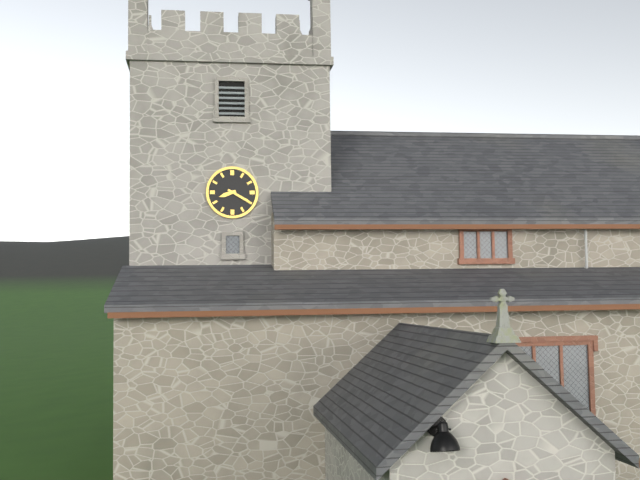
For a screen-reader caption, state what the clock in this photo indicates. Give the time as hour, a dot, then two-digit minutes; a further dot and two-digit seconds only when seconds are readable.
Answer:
8.20
